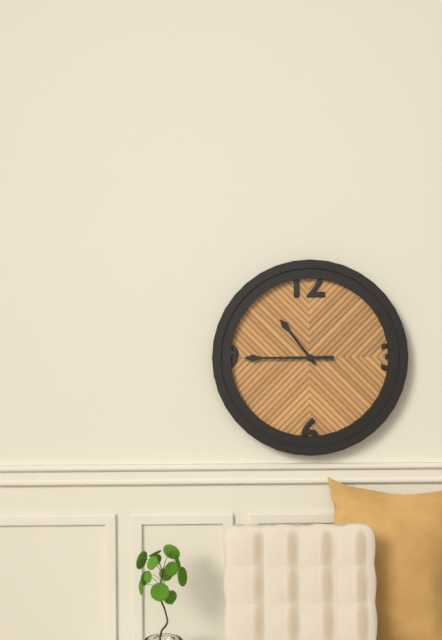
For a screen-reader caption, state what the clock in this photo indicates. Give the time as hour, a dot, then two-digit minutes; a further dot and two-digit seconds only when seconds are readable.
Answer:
10.45
